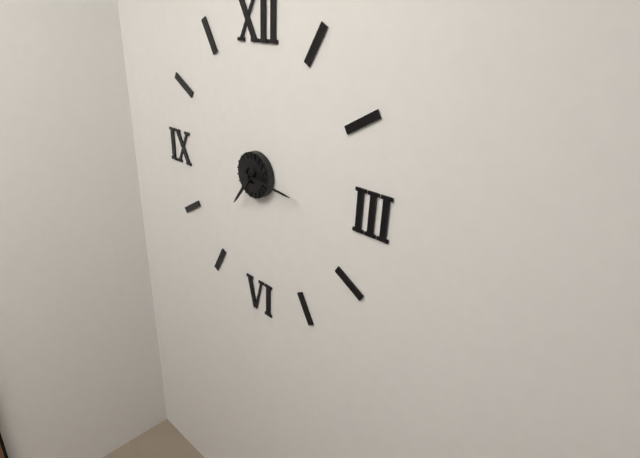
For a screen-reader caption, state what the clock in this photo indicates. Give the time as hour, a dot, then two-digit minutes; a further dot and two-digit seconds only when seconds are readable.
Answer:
7.16
